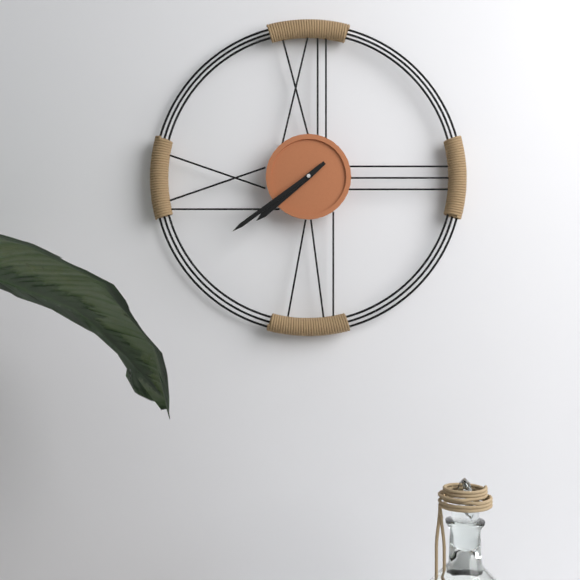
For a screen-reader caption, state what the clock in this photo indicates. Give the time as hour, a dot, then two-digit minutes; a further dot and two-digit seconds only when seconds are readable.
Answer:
7.39
